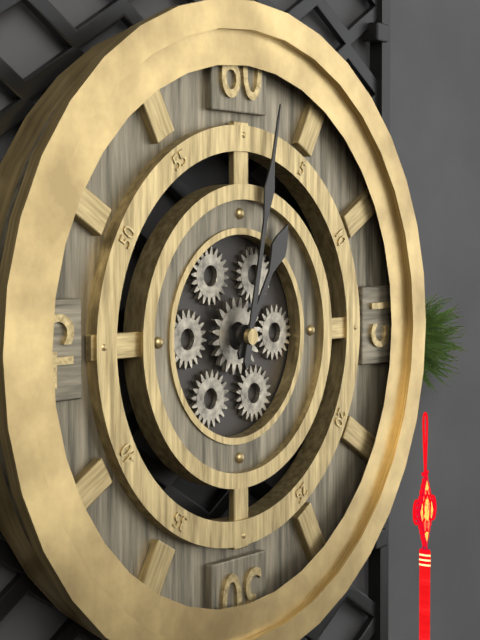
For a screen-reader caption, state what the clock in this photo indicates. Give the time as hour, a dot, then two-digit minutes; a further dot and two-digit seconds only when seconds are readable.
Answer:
1.02
